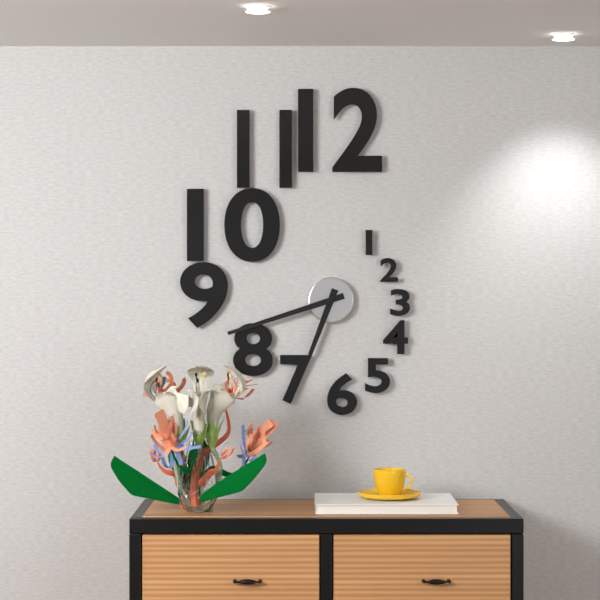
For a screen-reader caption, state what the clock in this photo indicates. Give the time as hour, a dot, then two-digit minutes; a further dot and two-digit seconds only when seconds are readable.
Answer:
6.42
